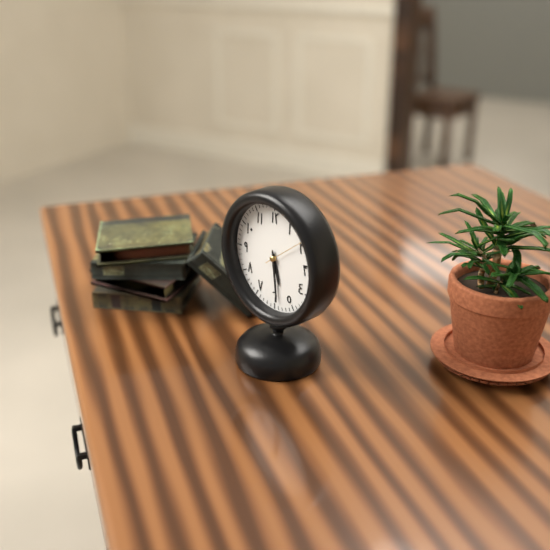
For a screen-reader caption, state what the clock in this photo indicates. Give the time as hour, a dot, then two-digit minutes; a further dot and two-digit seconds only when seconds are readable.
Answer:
5.29
